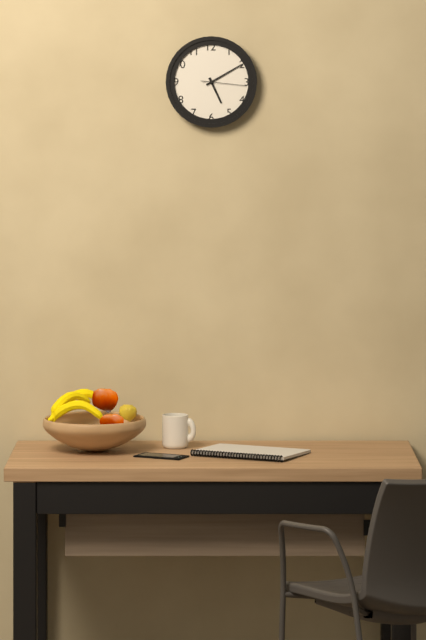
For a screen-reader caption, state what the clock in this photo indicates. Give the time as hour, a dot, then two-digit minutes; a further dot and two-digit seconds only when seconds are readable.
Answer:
5.10
